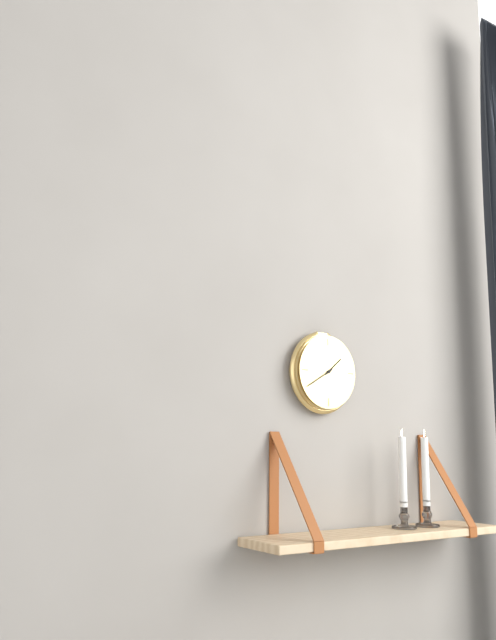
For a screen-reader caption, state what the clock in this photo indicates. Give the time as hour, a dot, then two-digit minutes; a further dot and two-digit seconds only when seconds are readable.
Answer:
1.40
